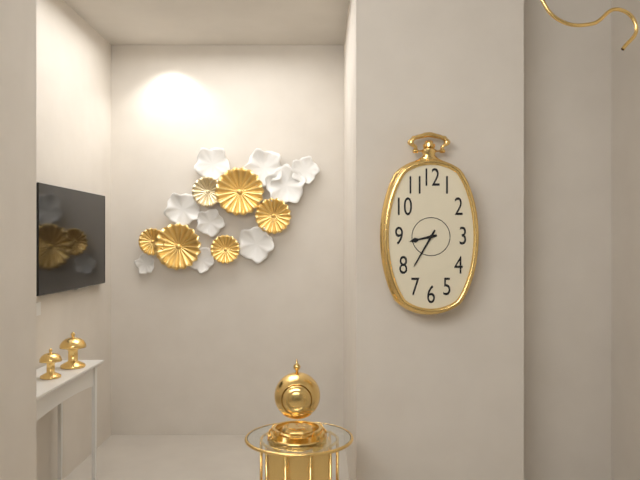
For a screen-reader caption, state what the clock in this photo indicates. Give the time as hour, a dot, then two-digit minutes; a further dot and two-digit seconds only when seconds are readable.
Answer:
8.35
